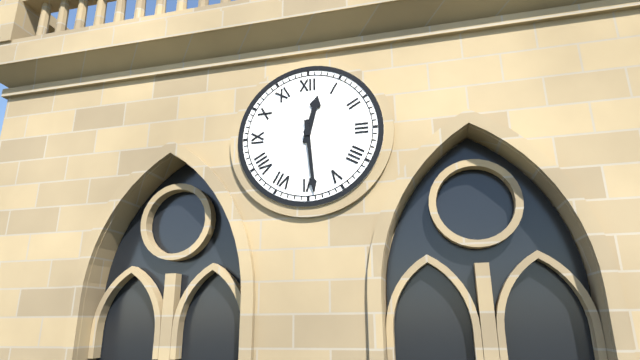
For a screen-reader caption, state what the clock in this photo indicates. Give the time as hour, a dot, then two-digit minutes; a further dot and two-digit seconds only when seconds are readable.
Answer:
12.29
